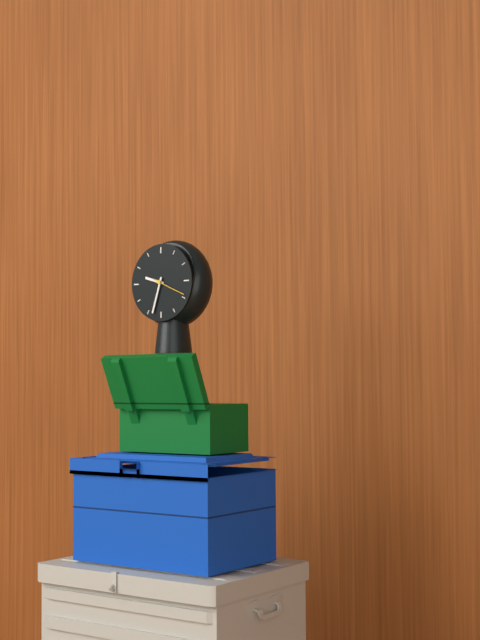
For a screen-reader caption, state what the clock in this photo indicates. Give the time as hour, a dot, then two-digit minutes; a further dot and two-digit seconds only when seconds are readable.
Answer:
9.33
